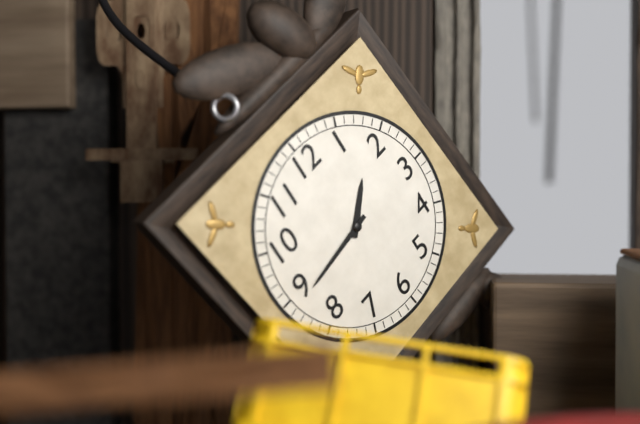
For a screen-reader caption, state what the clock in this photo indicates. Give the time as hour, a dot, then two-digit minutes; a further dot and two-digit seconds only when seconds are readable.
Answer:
1.44
